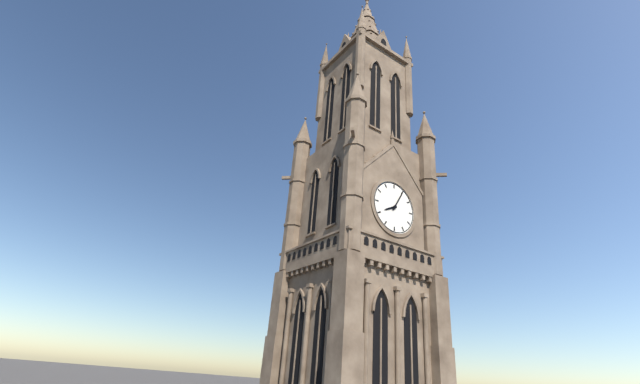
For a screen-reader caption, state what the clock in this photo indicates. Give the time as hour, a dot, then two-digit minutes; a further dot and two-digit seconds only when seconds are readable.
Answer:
8.05
